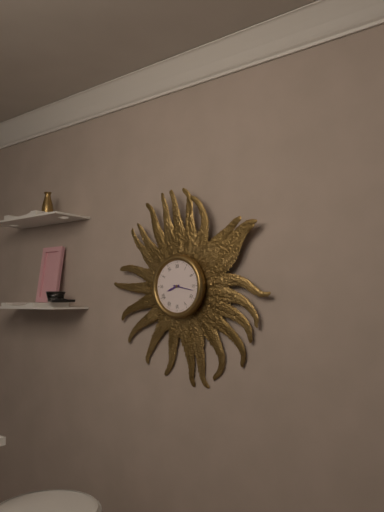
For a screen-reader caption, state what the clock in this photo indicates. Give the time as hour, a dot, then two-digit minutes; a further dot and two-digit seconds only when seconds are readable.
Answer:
8.17
